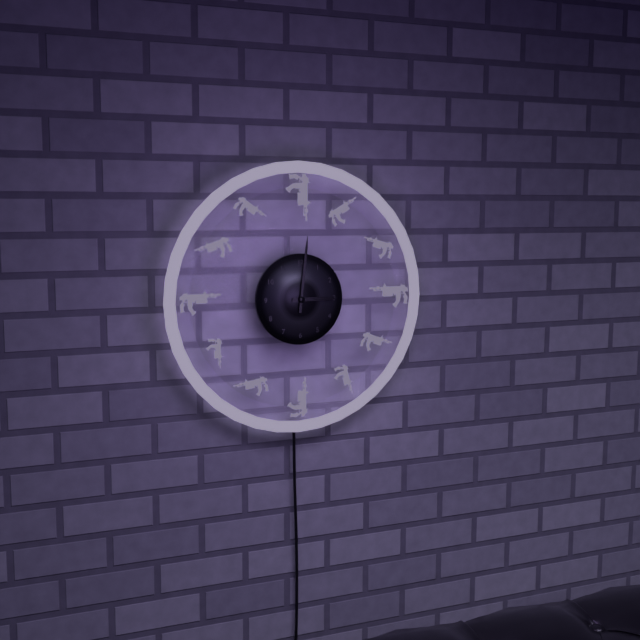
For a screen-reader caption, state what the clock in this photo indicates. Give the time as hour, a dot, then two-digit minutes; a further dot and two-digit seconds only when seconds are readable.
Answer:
3.01
